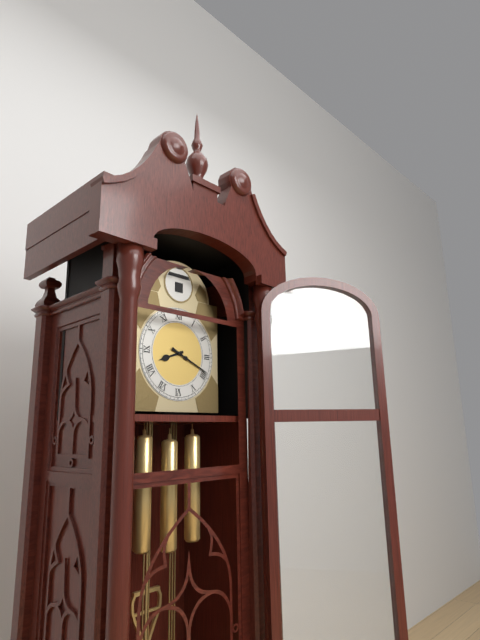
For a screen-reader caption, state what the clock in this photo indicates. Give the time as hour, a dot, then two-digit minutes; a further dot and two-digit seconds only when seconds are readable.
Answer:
8.19
